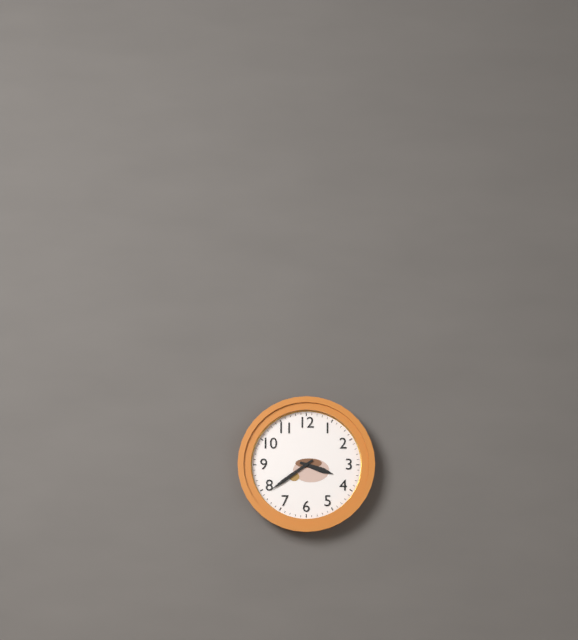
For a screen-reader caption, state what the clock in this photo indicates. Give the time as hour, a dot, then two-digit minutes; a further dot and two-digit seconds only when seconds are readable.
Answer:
3.39
